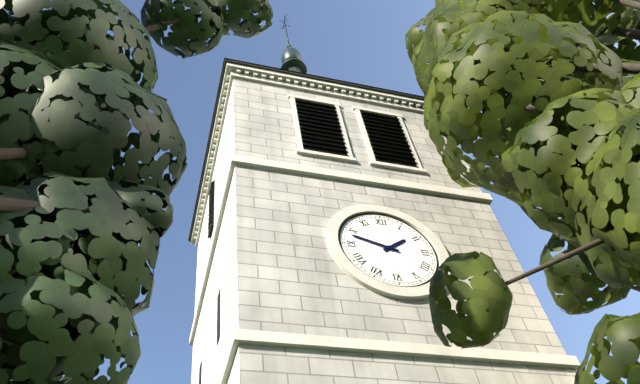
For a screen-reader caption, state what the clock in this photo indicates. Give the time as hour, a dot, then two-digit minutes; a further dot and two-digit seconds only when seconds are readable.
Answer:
1.48
